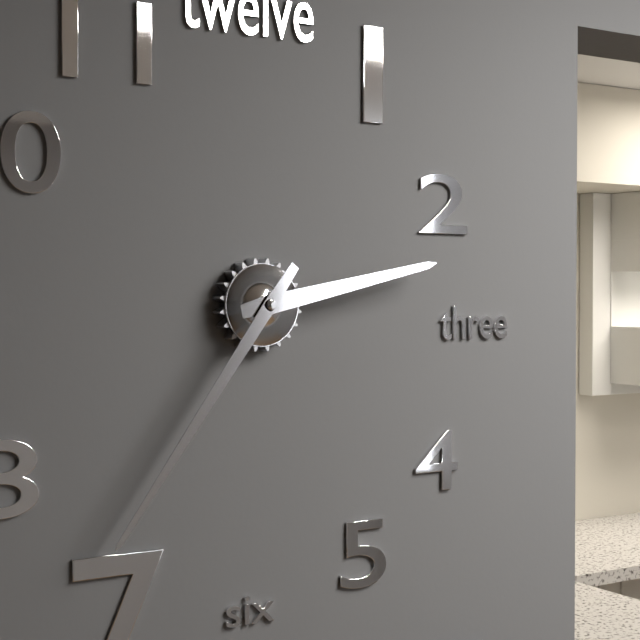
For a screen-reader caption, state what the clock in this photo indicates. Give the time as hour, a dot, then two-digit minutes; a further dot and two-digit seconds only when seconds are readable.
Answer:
2.36
